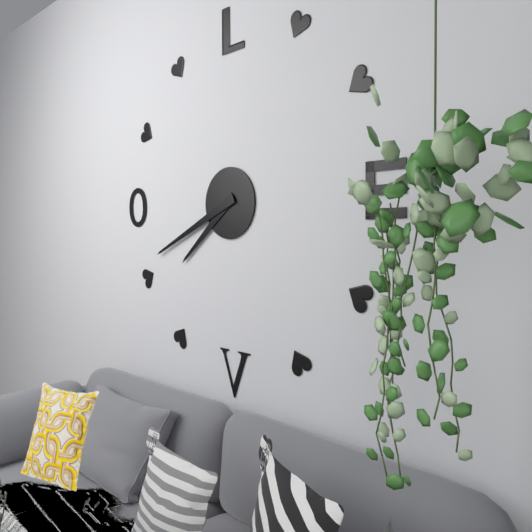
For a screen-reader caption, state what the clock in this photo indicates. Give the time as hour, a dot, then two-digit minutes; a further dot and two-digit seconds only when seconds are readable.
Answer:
7.41
